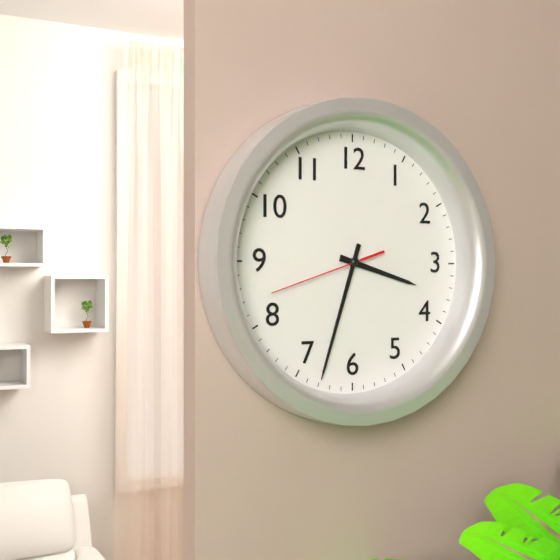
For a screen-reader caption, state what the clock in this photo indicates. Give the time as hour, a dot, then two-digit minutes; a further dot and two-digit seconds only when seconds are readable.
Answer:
3.33.42
